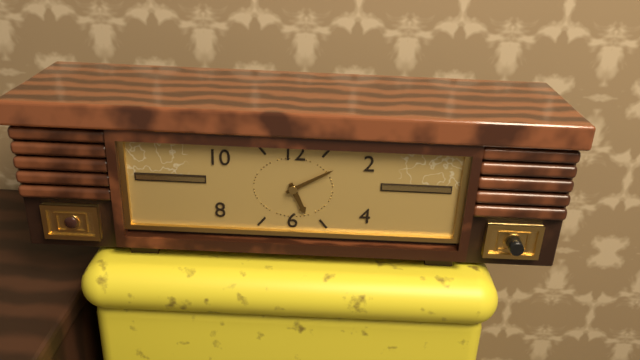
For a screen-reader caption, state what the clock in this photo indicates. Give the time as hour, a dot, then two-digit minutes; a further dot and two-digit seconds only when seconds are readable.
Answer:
5.10
